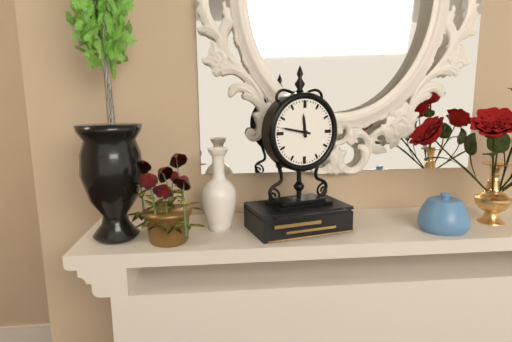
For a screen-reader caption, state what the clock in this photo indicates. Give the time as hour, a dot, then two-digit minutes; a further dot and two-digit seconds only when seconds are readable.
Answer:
11.47
